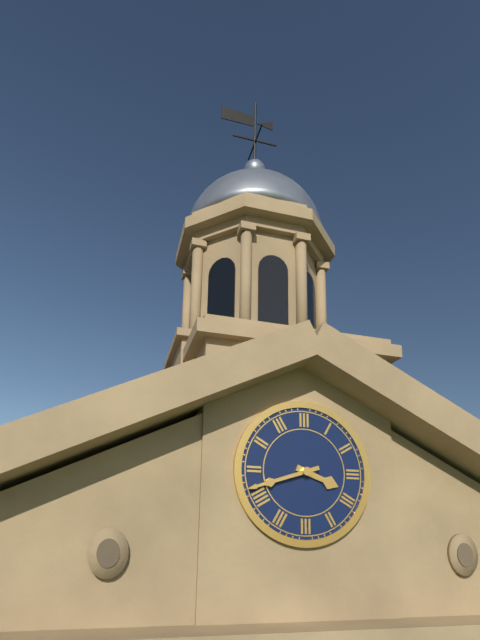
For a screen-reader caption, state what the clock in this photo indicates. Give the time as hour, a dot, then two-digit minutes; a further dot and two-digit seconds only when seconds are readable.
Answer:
3.42
